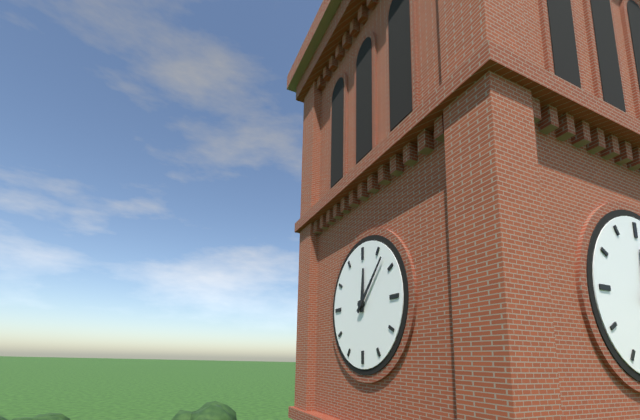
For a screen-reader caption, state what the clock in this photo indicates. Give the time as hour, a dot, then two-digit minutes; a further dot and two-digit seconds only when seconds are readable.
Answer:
12.07
